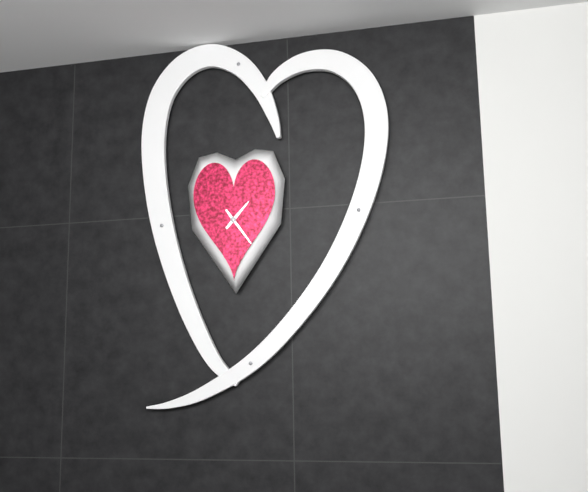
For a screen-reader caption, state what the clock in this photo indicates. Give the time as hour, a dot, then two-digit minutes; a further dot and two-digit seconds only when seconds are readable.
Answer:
1.24
